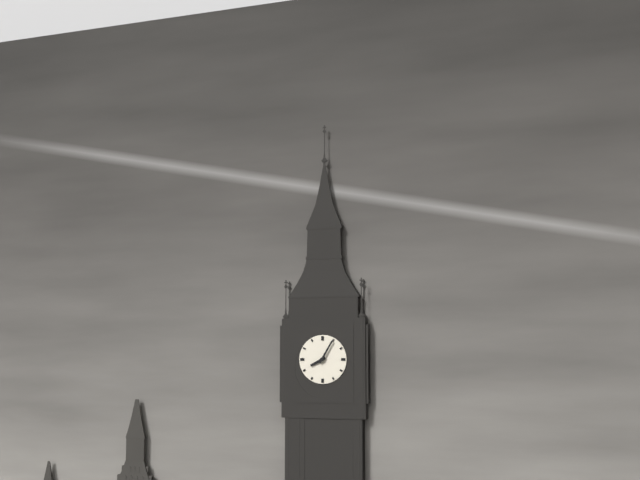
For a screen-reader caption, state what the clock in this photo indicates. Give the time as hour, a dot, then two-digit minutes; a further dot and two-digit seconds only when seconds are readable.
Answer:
8.05
